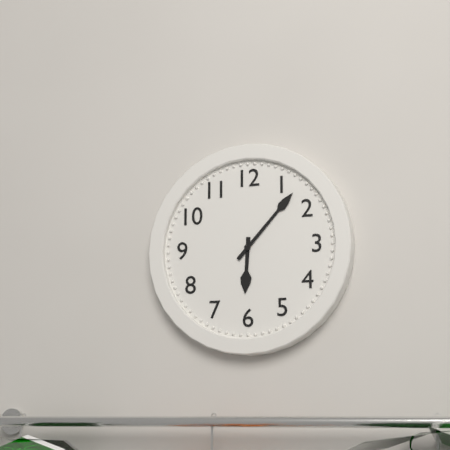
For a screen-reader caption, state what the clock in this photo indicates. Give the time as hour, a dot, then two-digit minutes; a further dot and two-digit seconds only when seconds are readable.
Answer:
6.07
